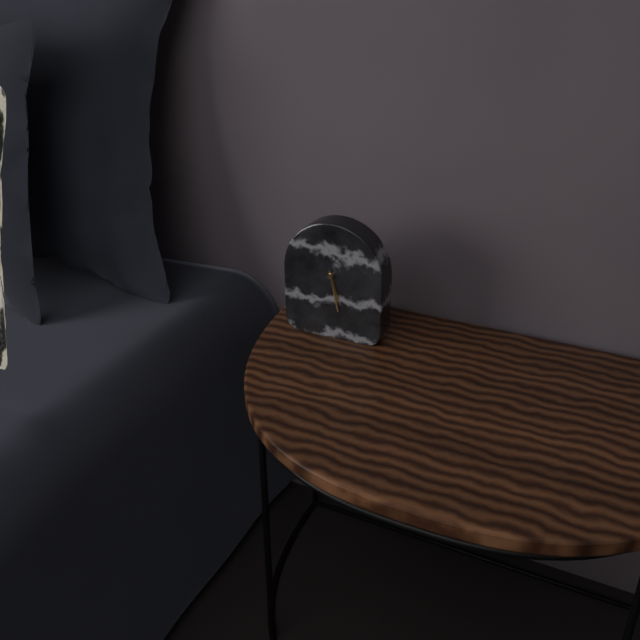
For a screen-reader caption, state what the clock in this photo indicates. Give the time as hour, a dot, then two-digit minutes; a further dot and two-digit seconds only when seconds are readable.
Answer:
5.28
